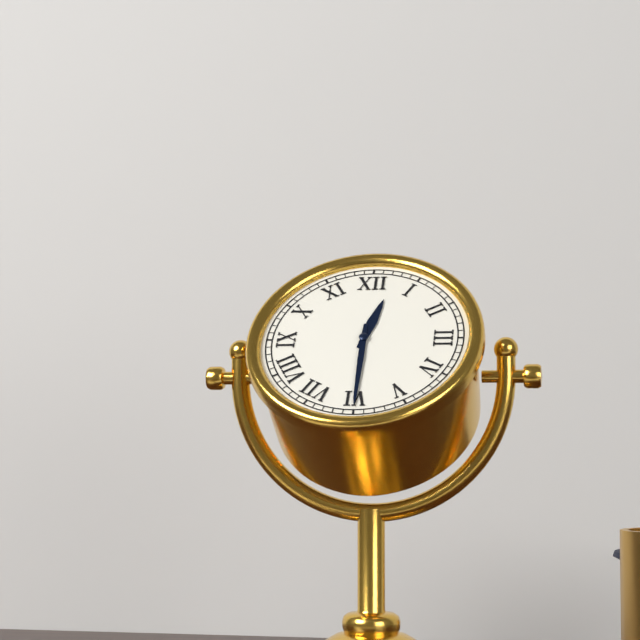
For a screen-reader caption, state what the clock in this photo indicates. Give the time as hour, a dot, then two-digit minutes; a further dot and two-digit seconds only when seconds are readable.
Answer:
12.30
